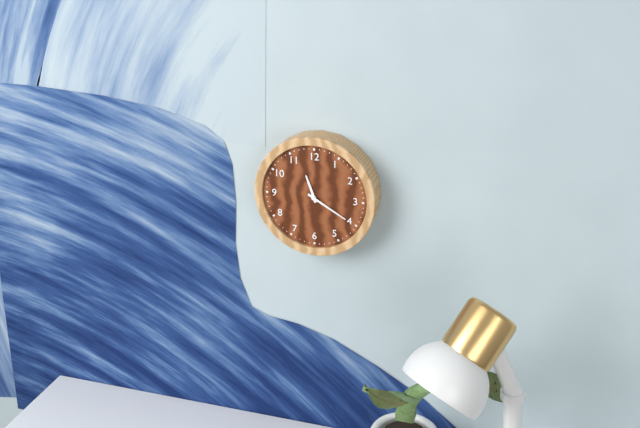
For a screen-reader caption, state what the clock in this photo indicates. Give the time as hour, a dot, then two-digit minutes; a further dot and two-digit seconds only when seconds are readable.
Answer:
11.20
